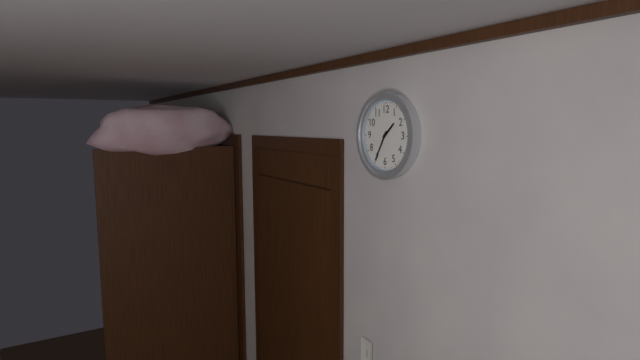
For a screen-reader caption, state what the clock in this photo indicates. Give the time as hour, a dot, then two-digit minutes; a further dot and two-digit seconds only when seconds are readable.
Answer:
1.35
